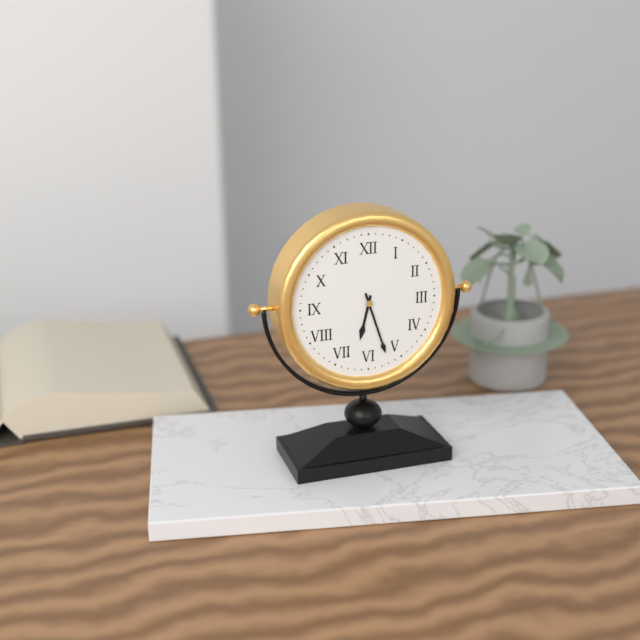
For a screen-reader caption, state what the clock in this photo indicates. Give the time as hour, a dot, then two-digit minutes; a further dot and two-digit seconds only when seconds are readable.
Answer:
6.27
